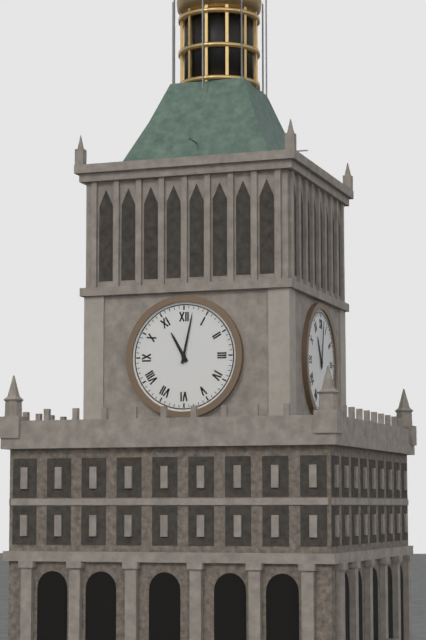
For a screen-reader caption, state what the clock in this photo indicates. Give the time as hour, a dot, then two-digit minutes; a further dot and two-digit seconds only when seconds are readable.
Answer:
11.02
